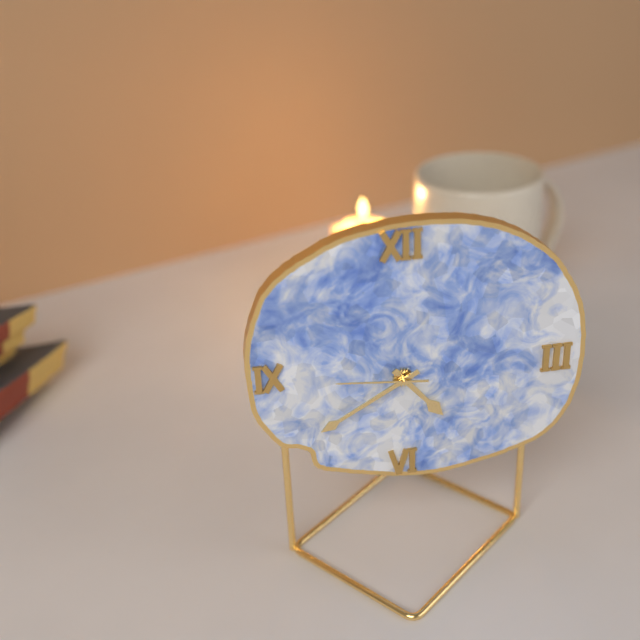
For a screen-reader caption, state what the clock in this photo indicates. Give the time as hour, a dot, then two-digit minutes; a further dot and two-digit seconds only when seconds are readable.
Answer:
4.40.46
